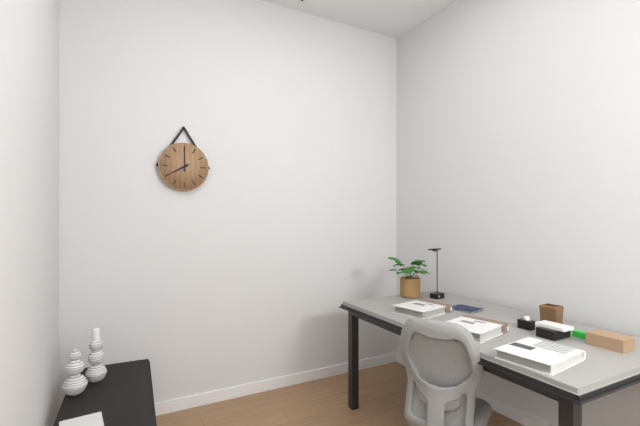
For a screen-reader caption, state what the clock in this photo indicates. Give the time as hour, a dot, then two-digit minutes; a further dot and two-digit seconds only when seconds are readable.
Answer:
8.00
